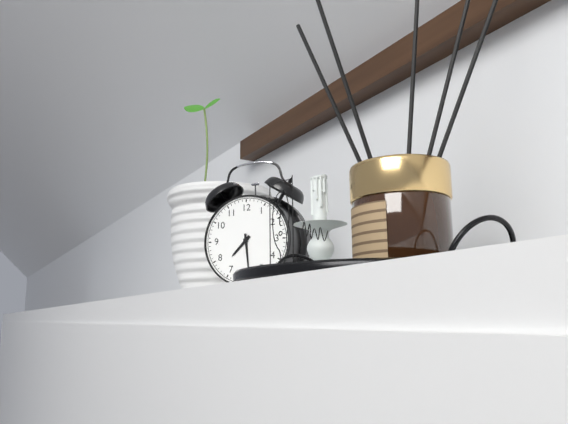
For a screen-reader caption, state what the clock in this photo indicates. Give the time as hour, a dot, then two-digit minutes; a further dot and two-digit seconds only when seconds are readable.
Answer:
7.29
